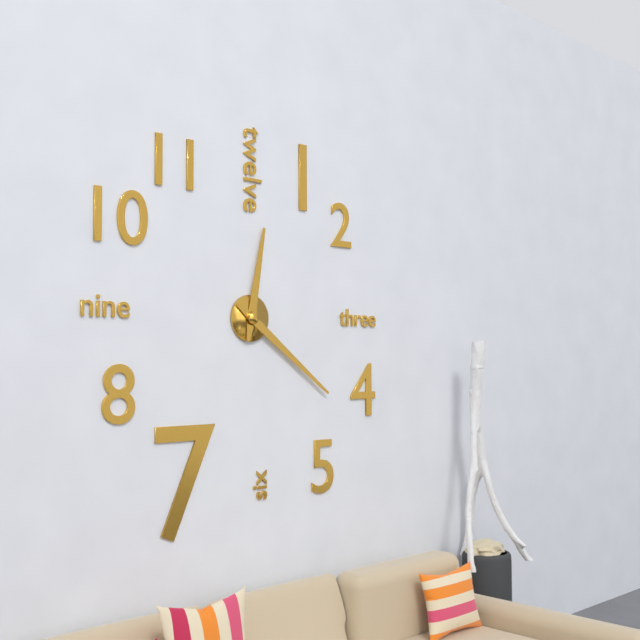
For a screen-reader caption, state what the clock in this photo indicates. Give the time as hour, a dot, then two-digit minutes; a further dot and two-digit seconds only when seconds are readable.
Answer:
12.21
